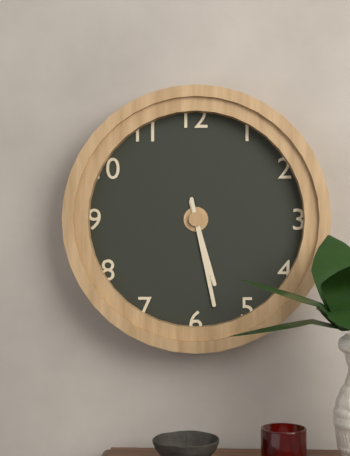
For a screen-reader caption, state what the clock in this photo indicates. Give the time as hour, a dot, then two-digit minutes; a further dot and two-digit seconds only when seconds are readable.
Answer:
5.28
